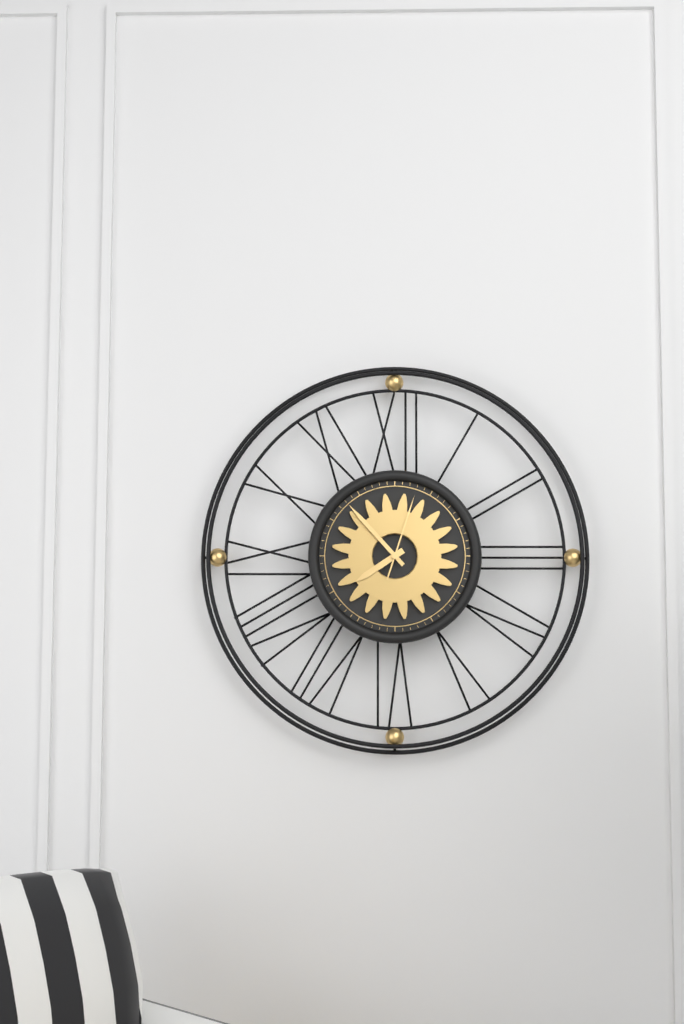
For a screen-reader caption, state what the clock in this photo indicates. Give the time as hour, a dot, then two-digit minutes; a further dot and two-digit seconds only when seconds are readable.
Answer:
7.53.03
